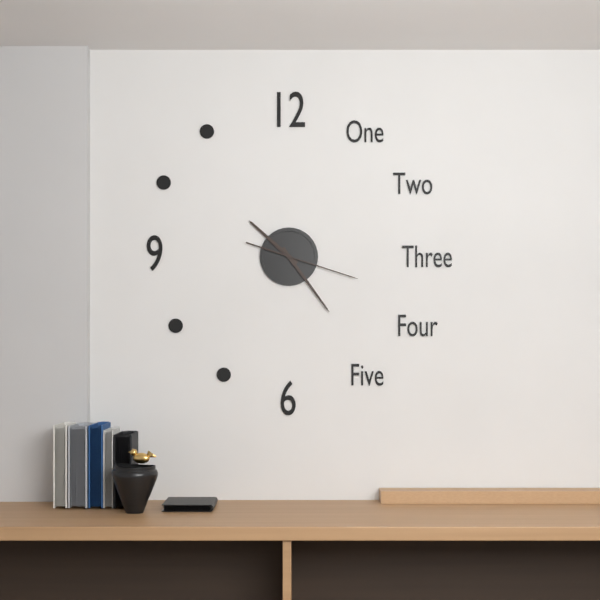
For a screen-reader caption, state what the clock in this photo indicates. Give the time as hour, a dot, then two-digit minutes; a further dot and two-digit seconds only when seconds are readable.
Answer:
10.24.18
